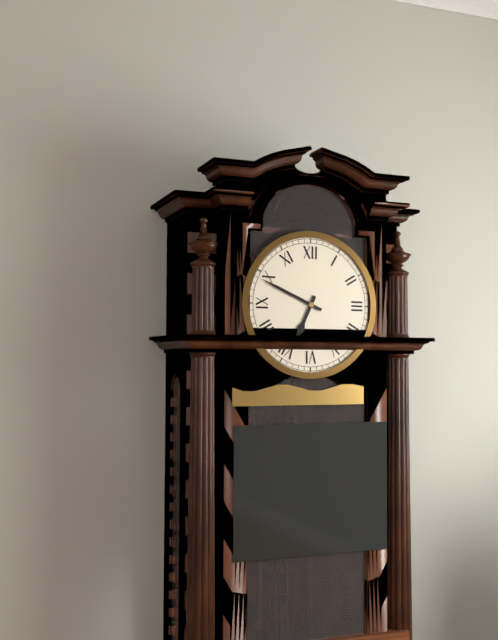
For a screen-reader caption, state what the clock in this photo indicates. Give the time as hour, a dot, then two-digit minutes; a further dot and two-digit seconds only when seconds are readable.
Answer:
6.49
